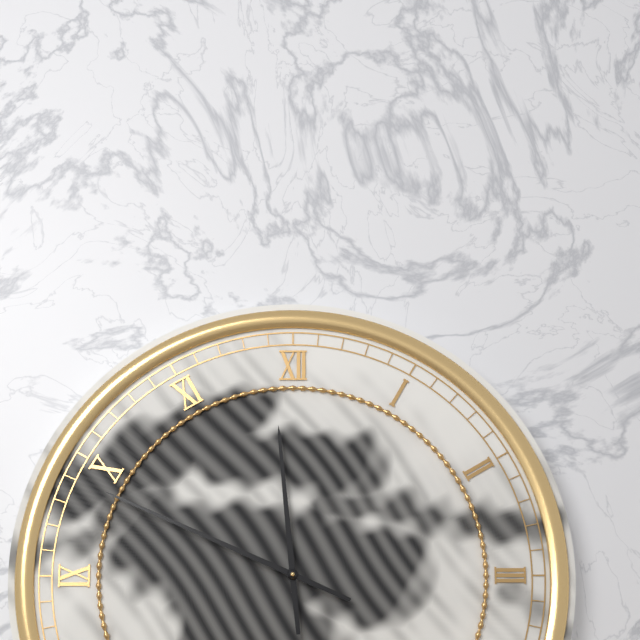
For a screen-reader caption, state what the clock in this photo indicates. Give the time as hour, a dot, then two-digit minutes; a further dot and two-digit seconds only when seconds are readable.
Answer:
11.49
